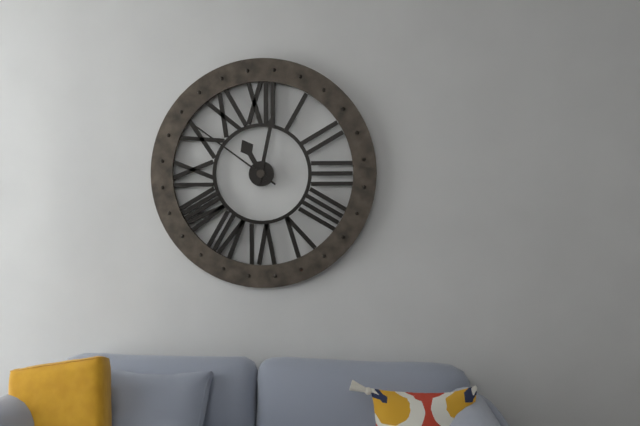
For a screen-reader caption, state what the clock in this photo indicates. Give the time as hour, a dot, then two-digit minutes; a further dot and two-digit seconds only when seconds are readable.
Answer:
11.02.51
